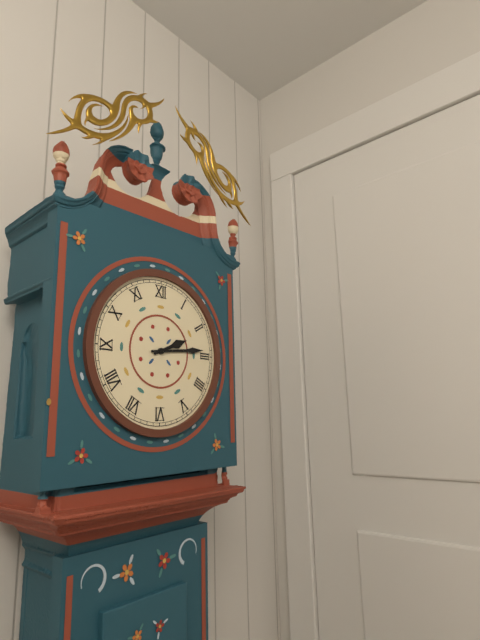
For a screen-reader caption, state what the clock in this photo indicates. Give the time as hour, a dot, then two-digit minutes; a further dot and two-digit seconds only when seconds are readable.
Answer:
2.14
